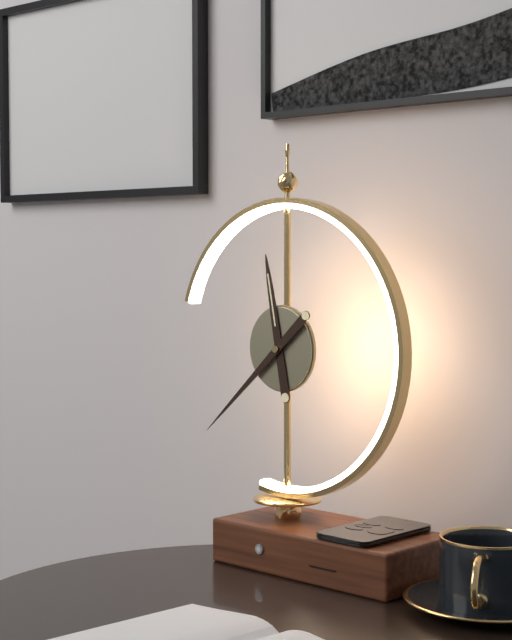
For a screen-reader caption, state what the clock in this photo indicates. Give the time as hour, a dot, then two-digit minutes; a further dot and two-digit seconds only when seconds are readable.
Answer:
11.38
